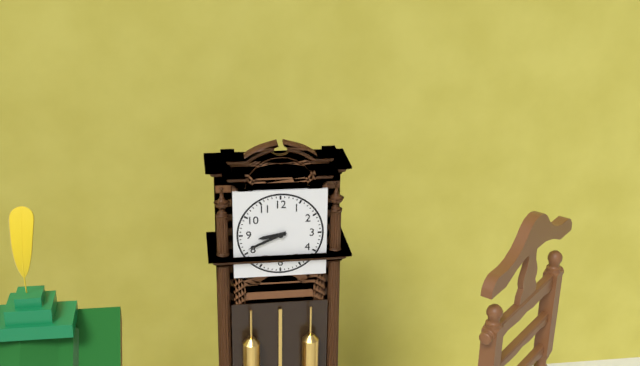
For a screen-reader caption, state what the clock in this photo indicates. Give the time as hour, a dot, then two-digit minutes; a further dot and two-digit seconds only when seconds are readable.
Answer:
8.41
